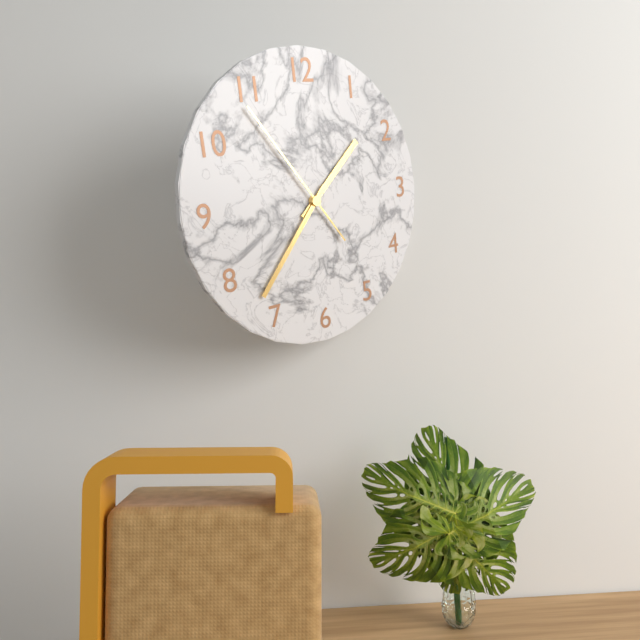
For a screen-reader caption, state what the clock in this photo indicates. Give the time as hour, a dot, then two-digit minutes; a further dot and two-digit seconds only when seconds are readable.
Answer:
1.37.54
